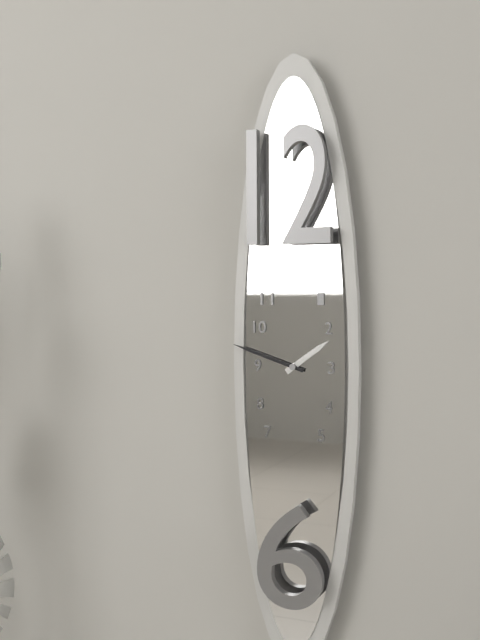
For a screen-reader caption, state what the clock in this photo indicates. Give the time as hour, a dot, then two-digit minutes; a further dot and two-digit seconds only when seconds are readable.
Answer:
1.48
